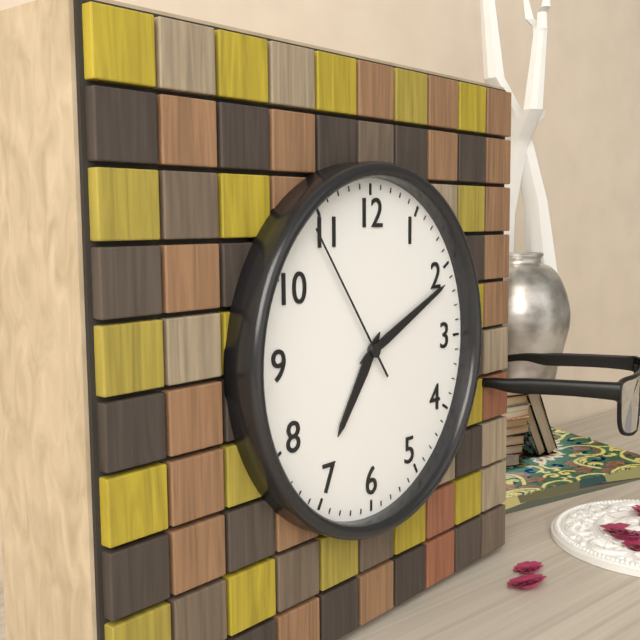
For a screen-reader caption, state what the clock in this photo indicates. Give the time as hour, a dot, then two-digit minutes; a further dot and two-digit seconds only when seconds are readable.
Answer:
7.11.54
